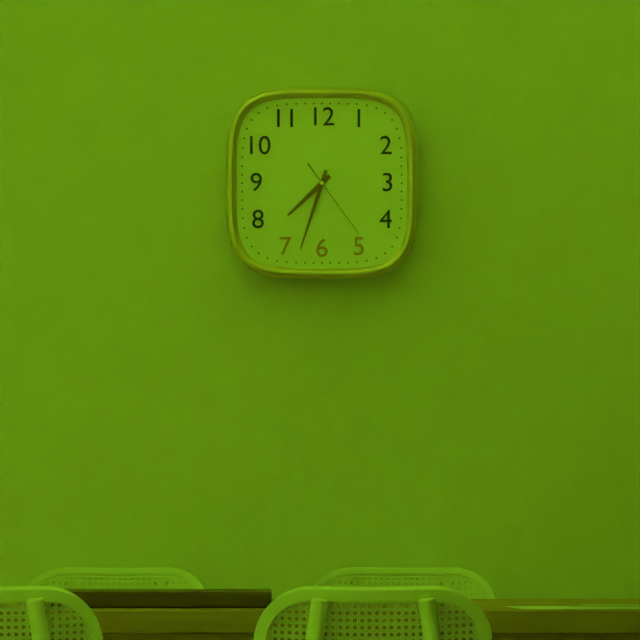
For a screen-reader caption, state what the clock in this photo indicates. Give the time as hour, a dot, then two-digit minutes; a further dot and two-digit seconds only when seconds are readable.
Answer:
7.33.24
